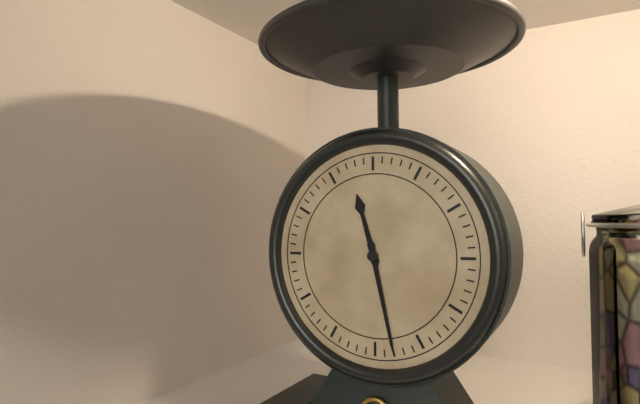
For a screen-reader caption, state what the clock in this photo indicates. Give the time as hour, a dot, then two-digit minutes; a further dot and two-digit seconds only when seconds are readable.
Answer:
11.28
